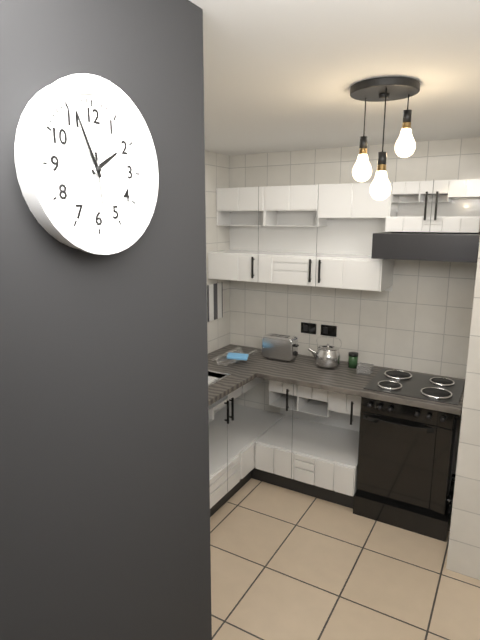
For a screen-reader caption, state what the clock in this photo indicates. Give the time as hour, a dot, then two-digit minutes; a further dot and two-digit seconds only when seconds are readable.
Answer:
1.56.29
